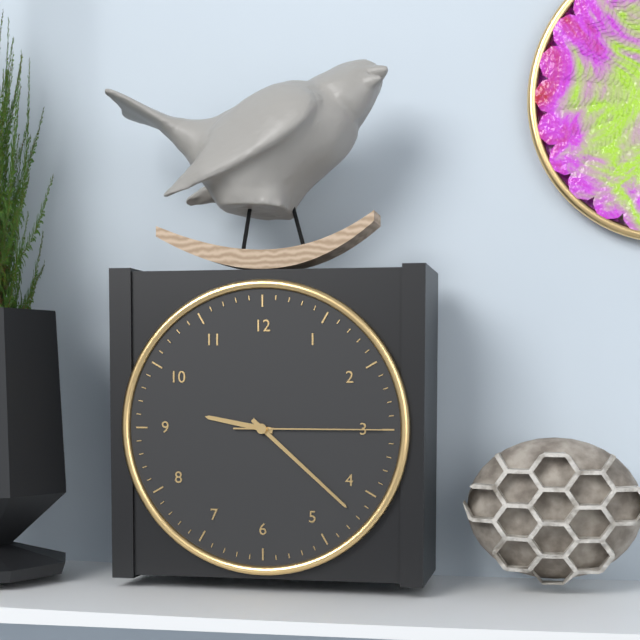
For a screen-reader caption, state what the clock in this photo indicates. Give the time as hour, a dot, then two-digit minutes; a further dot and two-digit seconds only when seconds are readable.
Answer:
9.22.15
